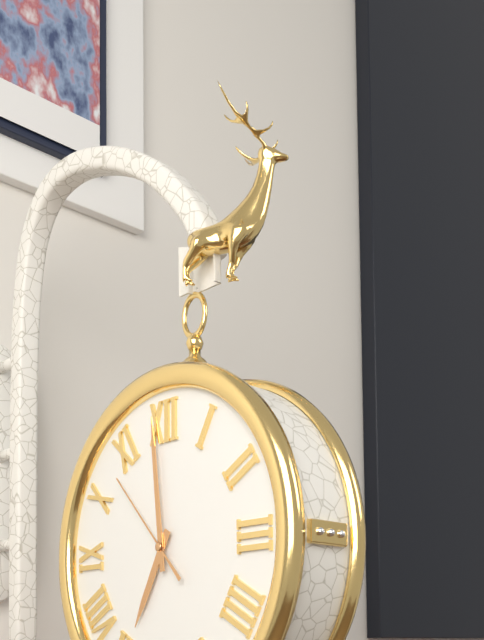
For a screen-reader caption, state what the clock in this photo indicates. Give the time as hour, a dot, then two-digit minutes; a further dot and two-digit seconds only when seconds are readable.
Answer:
6.59.53
